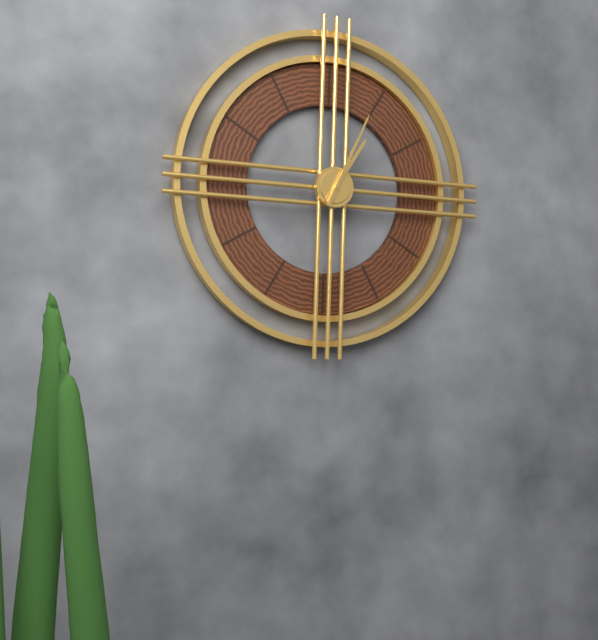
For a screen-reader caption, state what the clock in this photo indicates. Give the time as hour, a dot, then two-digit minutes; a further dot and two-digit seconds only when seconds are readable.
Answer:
1.04
